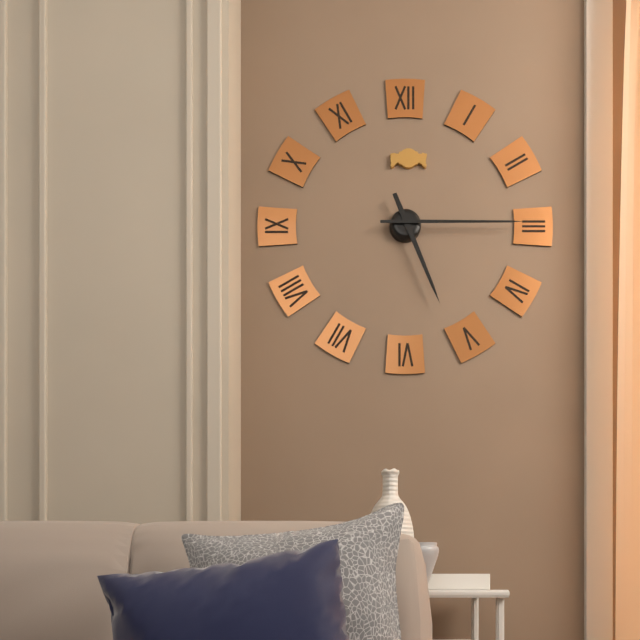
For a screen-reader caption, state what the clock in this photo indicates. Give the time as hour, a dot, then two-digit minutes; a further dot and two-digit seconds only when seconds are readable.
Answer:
5.15
